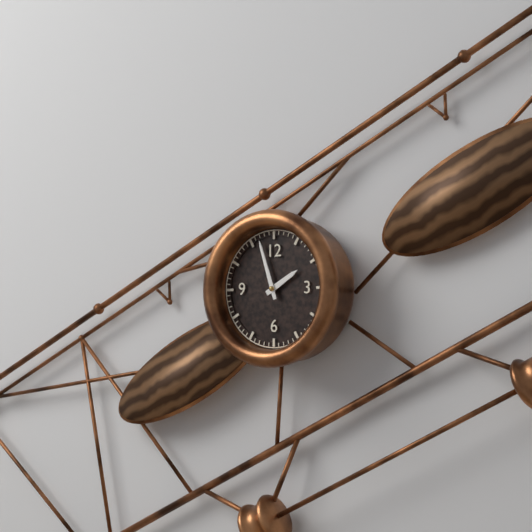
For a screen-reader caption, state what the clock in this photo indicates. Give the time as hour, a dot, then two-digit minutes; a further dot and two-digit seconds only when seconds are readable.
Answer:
1.57
